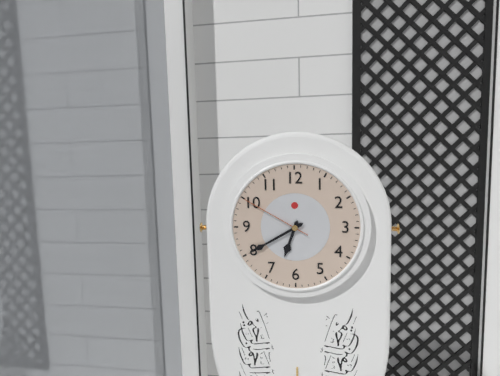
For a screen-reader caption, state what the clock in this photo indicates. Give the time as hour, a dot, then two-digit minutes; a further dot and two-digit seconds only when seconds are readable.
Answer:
6.40.50
